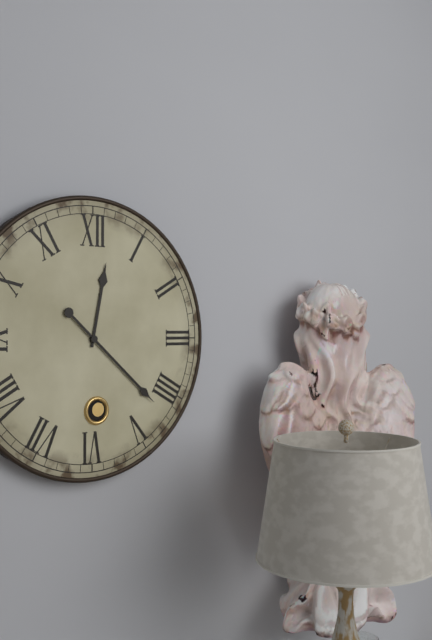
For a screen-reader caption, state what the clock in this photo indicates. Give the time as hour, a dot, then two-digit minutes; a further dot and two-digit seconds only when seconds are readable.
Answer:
12.22
